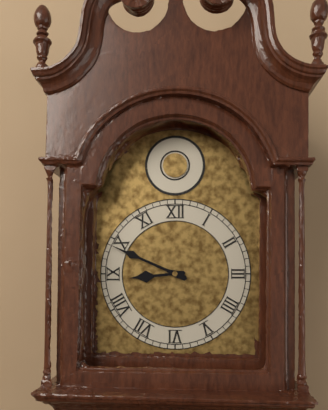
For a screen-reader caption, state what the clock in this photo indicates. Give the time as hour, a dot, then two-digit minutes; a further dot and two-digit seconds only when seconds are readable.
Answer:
8.49
